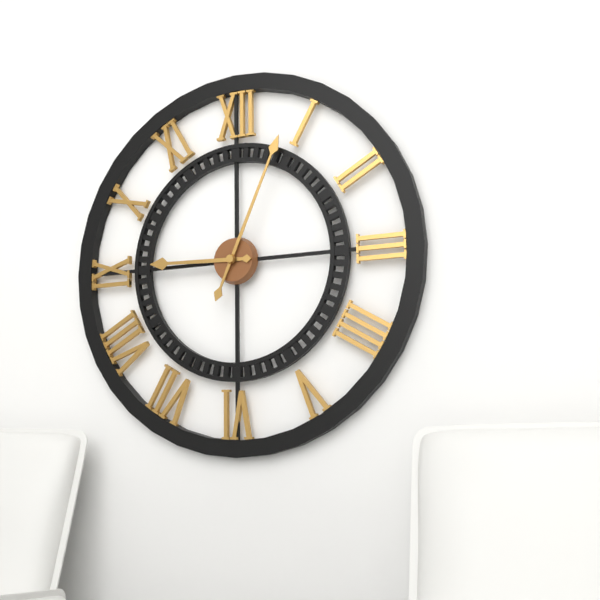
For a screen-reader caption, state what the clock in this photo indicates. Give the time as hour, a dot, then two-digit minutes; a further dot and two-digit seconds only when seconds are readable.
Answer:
9.04
